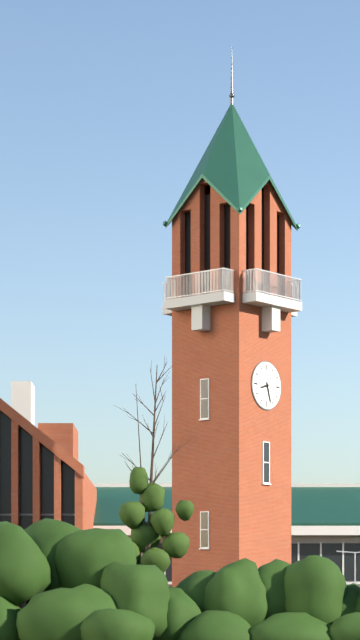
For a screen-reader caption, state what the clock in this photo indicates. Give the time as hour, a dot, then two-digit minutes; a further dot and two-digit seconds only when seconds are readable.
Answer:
8.27
